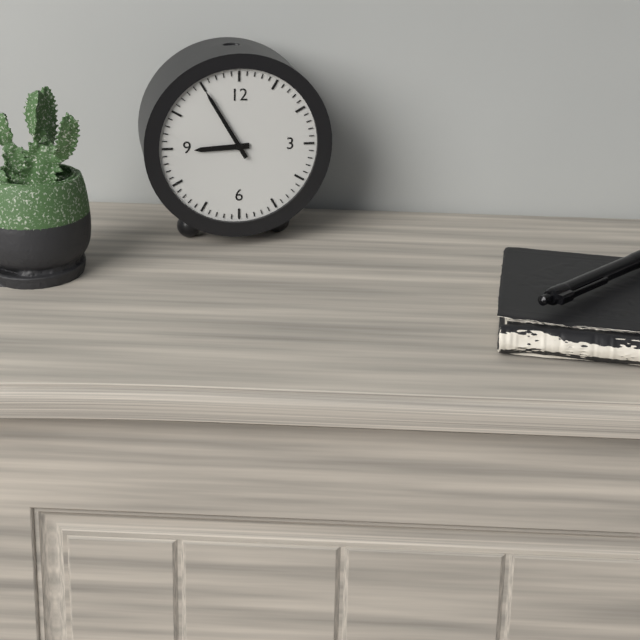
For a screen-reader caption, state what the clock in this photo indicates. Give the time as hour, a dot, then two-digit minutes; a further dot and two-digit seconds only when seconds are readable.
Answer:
8.55
